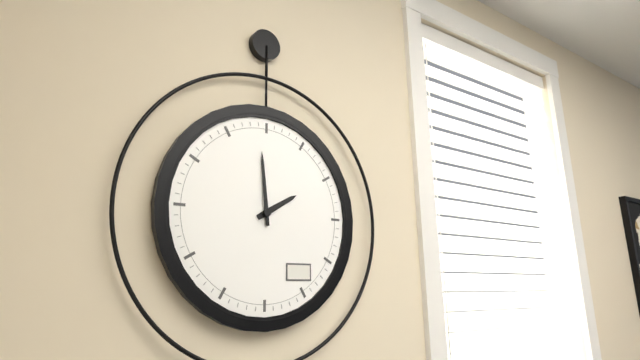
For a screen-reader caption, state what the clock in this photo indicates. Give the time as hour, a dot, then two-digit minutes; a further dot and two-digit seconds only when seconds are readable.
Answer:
1.59
